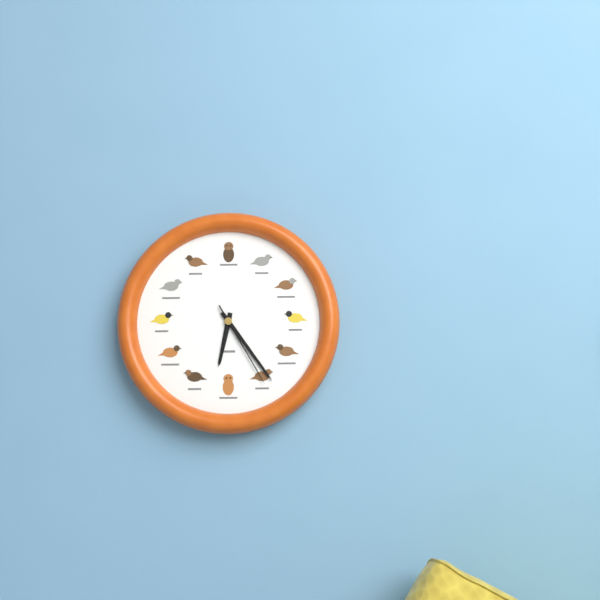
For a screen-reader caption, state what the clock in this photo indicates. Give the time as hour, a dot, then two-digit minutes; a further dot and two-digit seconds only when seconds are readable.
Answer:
6.24.25
